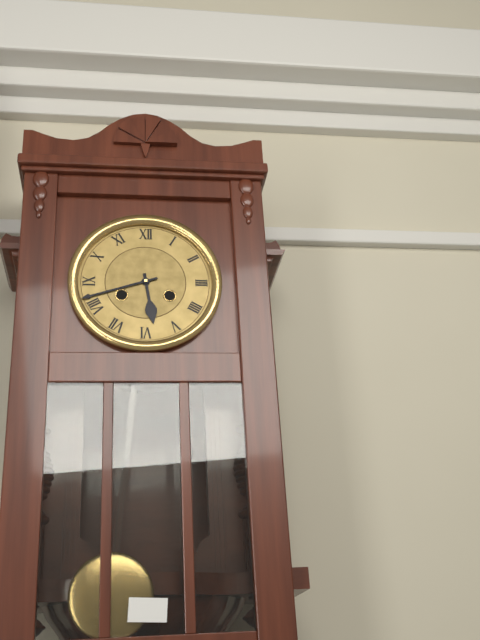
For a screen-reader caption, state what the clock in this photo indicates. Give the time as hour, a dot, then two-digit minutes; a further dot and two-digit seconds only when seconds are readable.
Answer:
5.42
